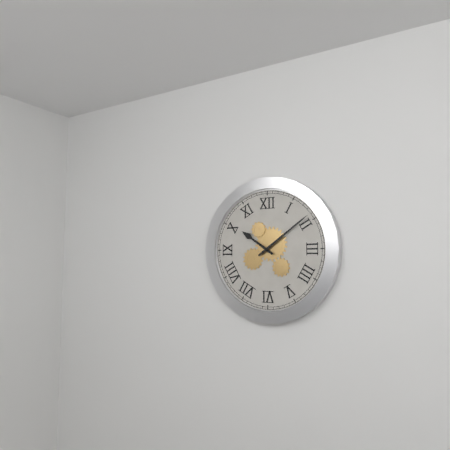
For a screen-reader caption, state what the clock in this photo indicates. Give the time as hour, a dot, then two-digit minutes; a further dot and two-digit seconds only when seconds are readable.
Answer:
10.09
